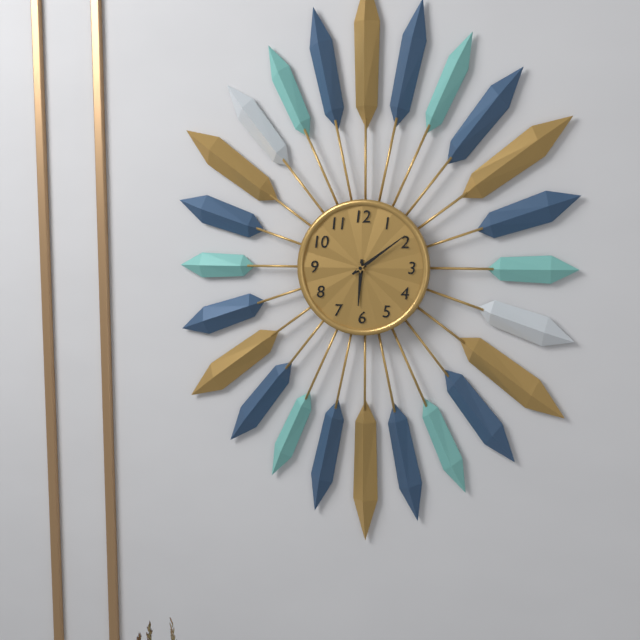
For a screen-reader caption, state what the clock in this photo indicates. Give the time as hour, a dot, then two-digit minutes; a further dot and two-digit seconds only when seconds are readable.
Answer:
6.09
